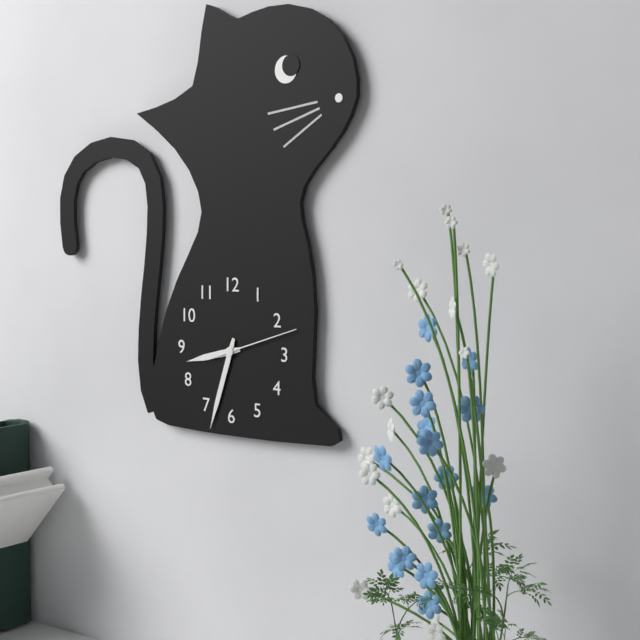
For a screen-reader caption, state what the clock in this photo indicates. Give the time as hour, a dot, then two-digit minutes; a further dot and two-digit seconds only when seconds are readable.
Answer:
8.33.12
